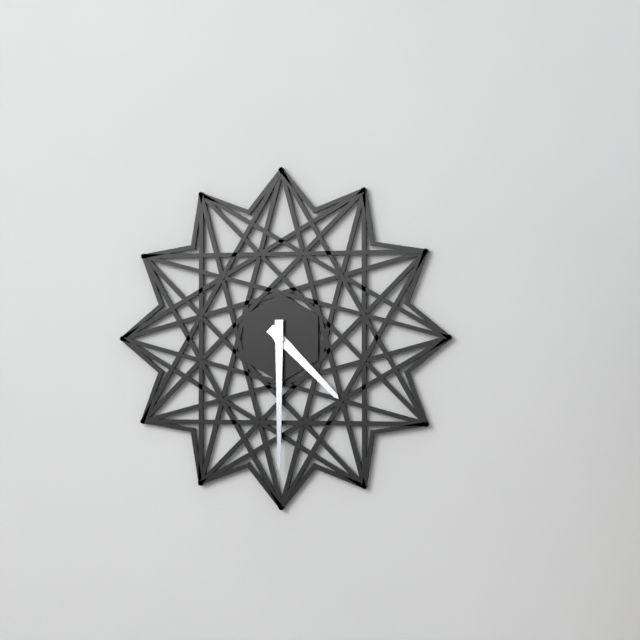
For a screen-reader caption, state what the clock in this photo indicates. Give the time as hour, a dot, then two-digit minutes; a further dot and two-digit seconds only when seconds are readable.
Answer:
4.30
